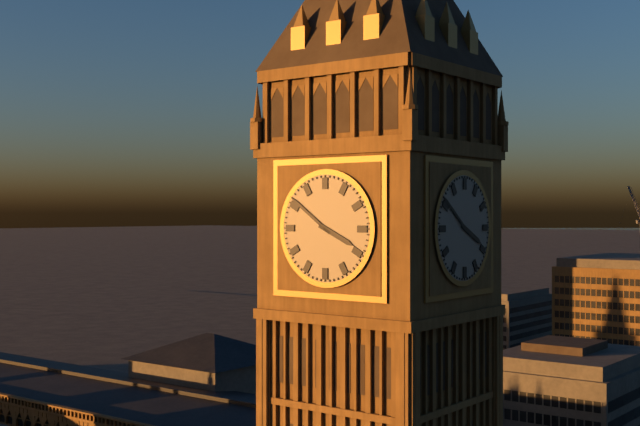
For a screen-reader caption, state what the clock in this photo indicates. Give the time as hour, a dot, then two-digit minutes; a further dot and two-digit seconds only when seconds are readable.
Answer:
3.51
